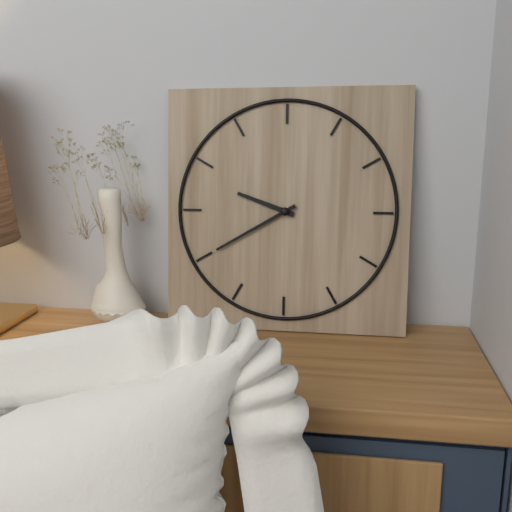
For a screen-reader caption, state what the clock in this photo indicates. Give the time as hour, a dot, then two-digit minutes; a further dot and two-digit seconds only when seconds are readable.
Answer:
9.40
